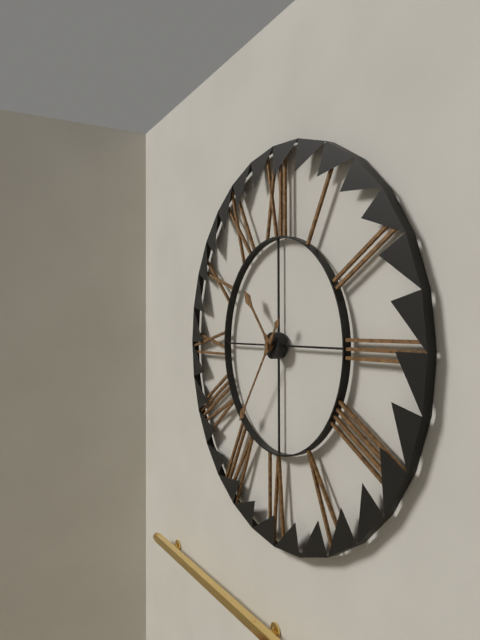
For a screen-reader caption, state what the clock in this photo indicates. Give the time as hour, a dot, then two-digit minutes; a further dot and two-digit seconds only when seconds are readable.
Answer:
10.36
